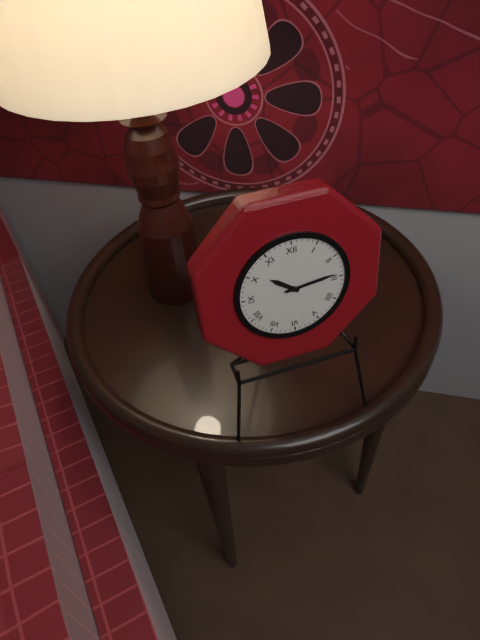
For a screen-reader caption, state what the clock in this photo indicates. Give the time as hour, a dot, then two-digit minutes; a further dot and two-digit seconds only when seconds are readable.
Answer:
10.14
